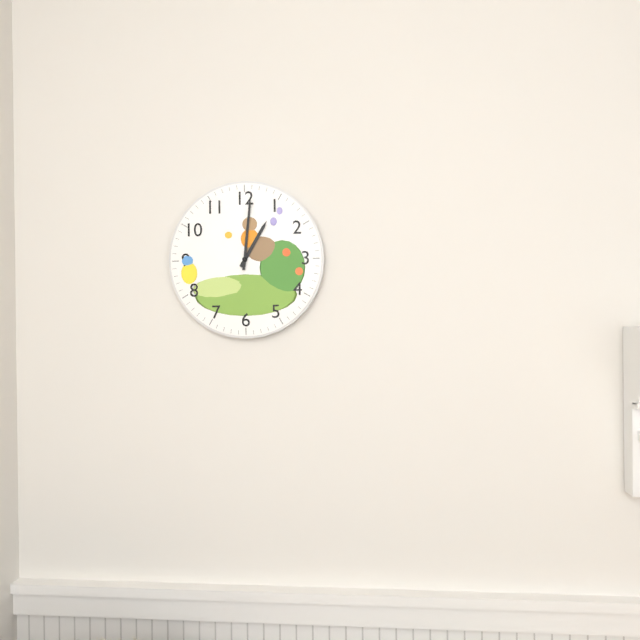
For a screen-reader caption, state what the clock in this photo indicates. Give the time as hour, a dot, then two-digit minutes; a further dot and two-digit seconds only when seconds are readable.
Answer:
1.01
